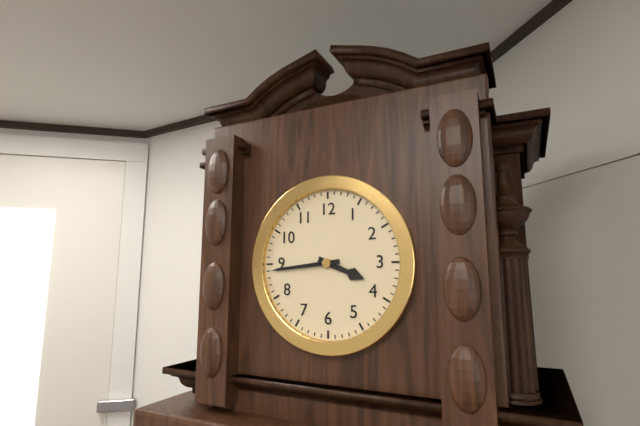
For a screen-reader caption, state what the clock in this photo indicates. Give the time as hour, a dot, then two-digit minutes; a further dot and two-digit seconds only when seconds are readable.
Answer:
3.44
